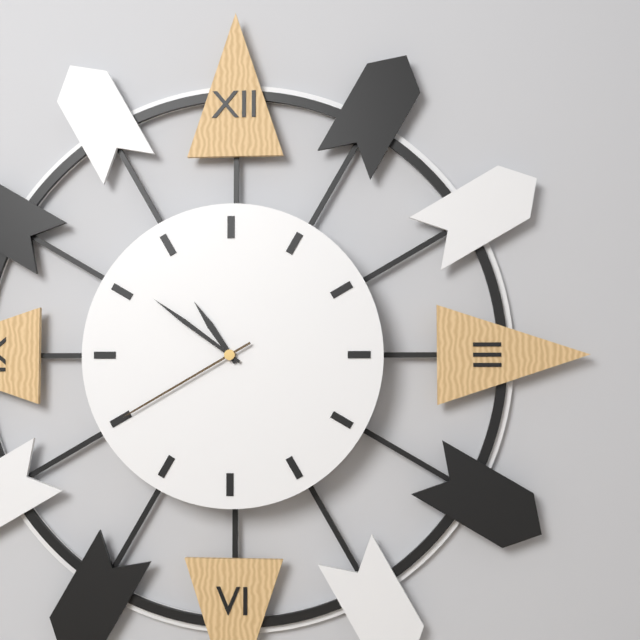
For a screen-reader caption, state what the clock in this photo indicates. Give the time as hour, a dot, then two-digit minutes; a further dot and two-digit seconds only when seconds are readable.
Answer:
10.51.40
